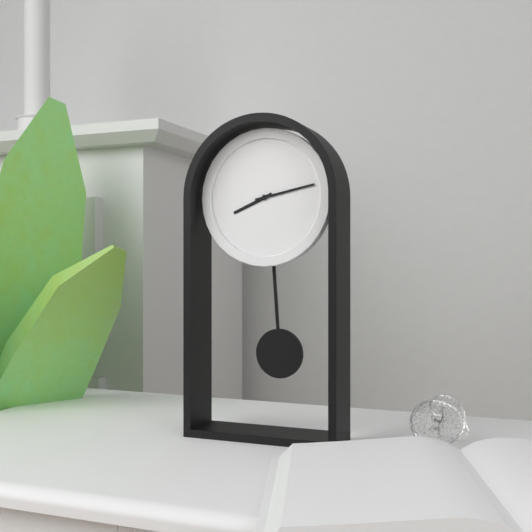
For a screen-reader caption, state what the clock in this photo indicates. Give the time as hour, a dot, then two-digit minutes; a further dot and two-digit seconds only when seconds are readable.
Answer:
8.13
